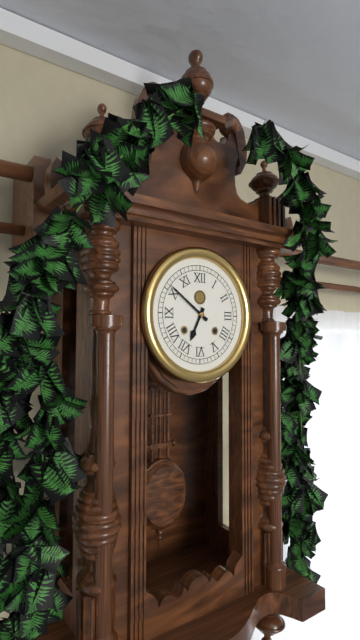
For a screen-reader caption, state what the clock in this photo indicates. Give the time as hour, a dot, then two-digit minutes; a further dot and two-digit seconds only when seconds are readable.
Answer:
6.51
